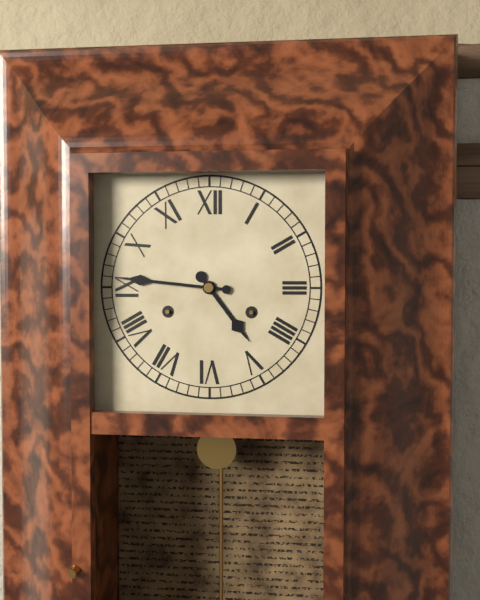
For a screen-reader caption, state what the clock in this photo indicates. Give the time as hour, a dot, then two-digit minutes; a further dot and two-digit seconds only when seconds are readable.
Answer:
4.46
